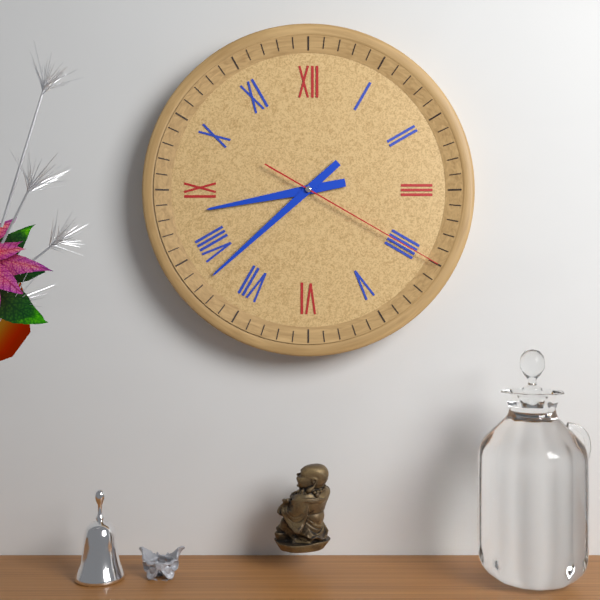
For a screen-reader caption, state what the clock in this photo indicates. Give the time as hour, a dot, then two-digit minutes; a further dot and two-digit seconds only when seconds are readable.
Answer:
8.38.20
